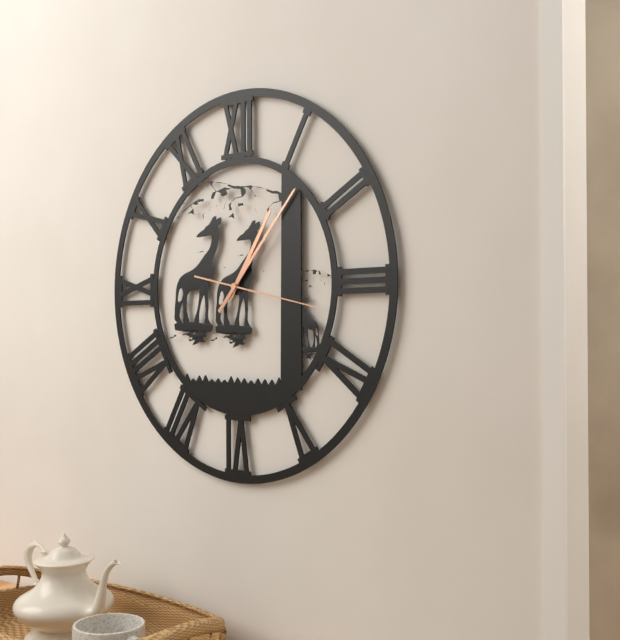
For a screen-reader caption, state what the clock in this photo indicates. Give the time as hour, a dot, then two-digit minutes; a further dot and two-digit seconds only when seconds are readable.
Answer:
1.07.17
